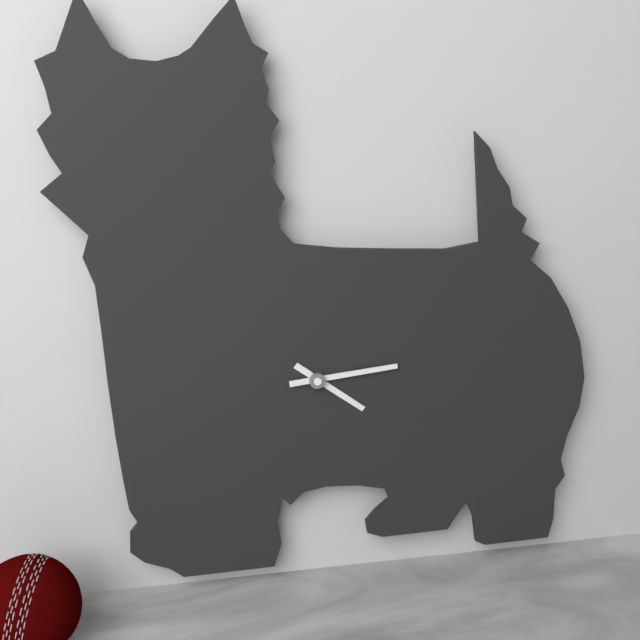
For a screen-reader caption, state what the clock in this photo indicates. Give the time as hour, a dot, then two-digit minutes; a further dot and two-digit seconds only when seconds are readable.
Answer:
4.14
